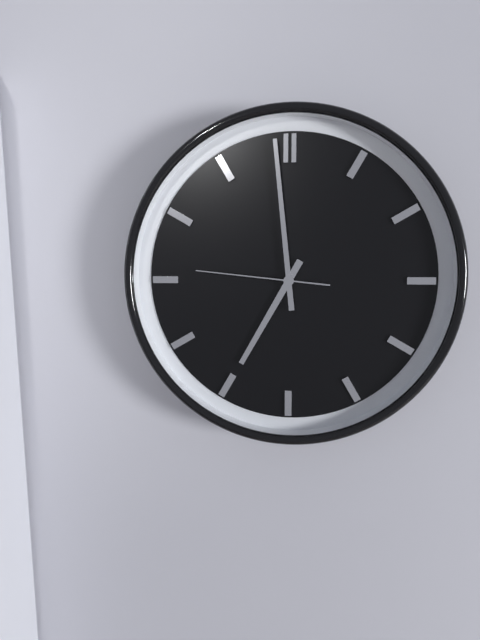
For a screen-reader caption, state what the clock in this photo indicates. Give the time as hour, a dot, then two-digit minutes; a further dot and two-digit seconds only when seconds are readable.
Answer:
6.59.46
